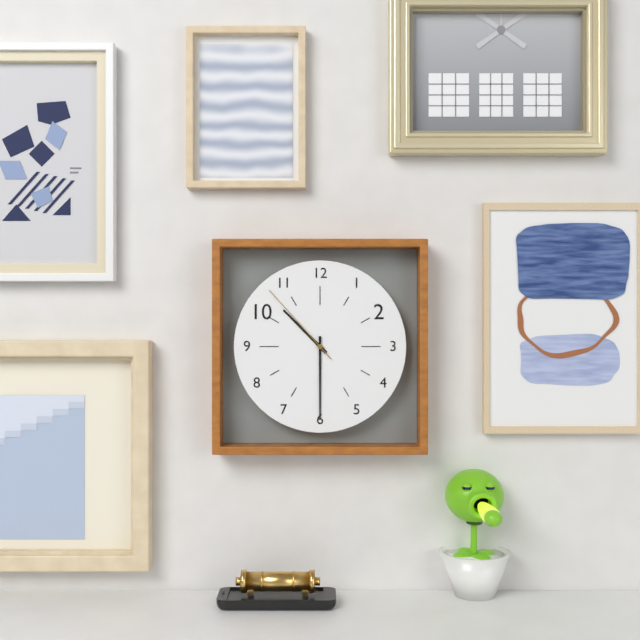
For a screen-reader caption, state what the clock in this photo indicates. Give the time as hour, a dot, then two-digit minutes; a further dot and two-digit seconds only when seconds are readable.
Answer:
10.30.53
